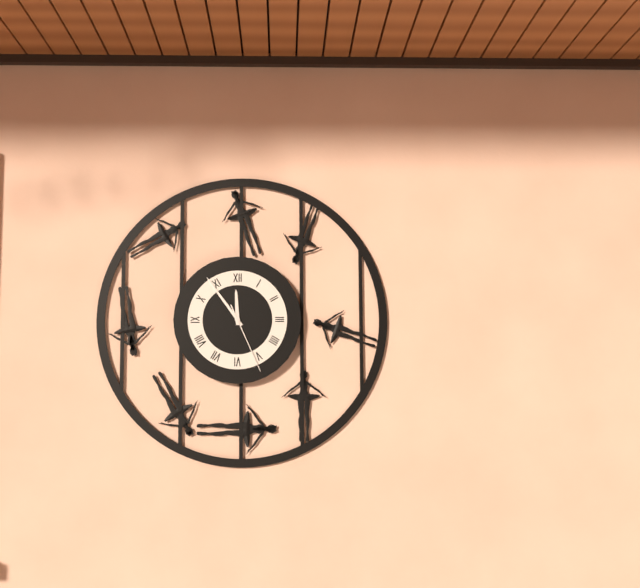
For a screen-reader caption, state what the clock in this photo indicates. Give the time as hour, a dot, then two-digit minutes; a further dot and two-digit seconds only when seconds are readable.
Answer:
11.54.26
